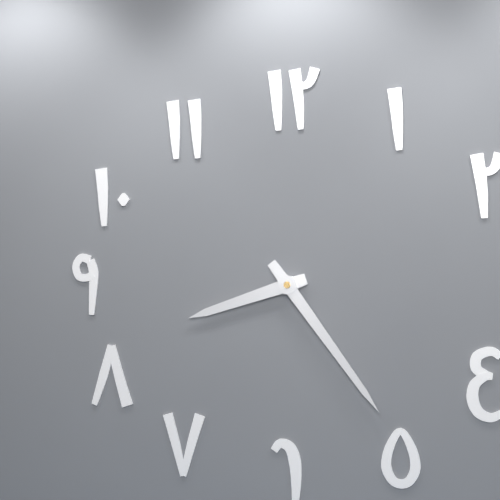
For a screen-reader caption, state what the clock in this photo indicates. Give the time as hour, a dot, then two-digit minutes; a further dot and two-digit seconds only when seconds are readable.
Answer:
8.24
